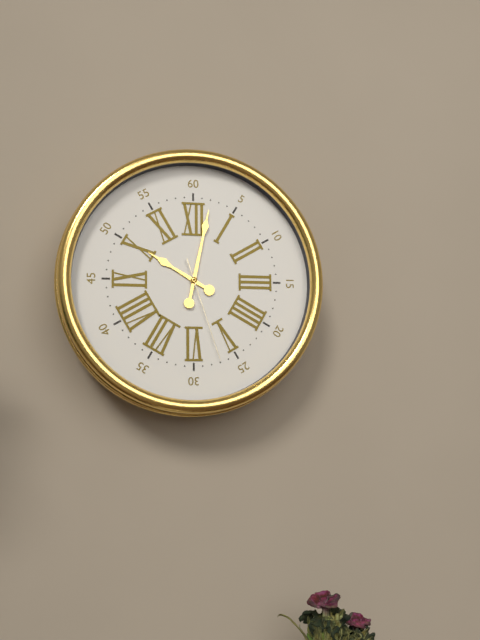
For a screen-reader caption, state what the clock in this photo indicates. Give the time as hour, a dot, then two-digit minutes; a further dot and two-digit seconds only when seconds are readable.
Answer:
10.02.27
